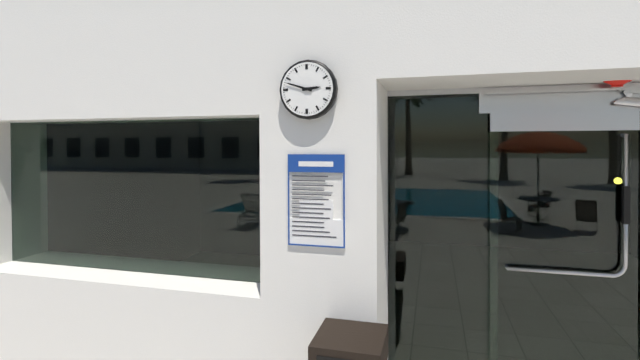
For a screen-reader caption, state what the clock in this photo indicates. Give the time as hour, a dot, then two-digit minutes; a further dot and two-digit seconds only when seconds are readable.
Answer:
2.48
